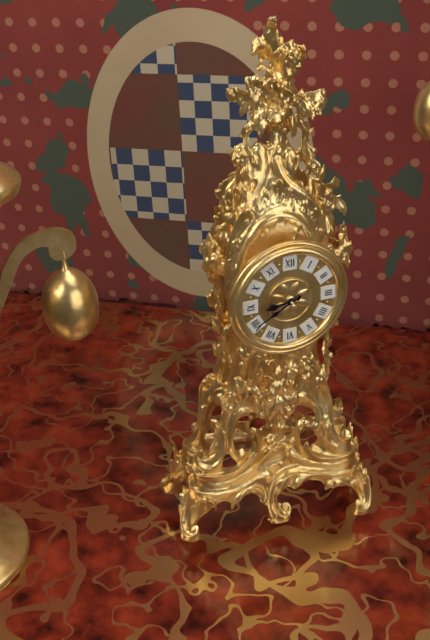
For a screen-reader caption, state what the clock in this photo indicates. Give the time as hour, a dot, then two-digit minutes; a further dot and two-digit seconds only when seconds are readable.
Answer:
8.40
